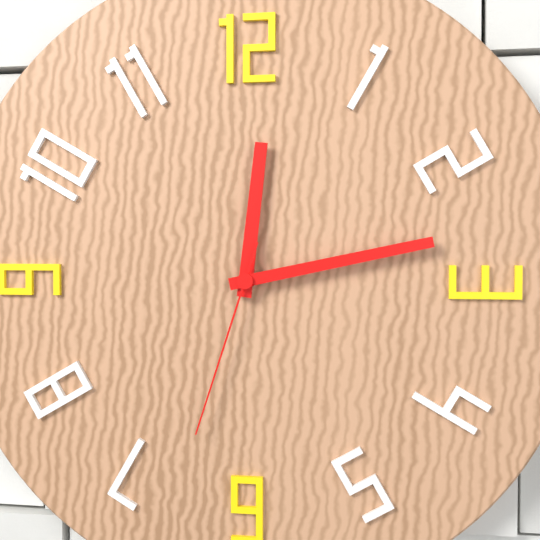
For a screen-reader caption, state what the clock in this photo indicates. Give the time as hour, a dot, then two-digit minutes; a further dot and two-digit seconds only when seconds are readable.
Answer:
12.13.33
